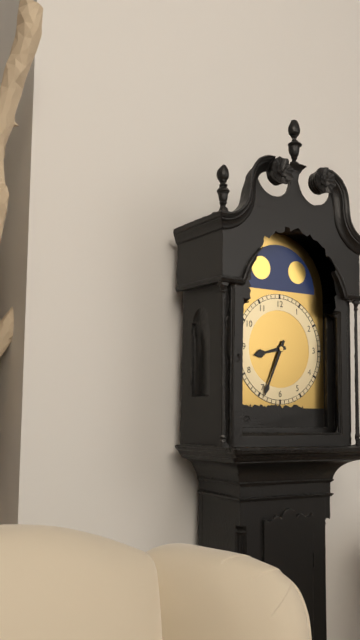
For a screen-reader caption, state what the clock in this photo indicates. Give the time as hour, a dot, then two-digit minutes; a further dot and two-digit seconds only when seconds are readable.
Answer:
8.34
